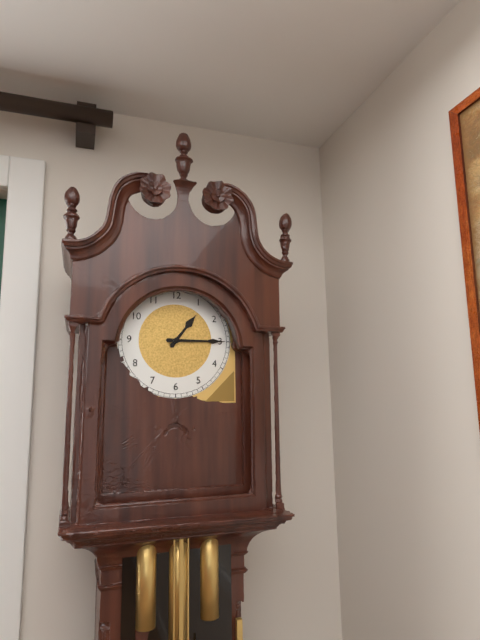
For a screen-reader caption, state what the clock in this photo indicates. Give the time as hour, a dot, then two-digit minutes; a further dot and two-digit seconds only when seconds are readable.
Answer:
1.15
